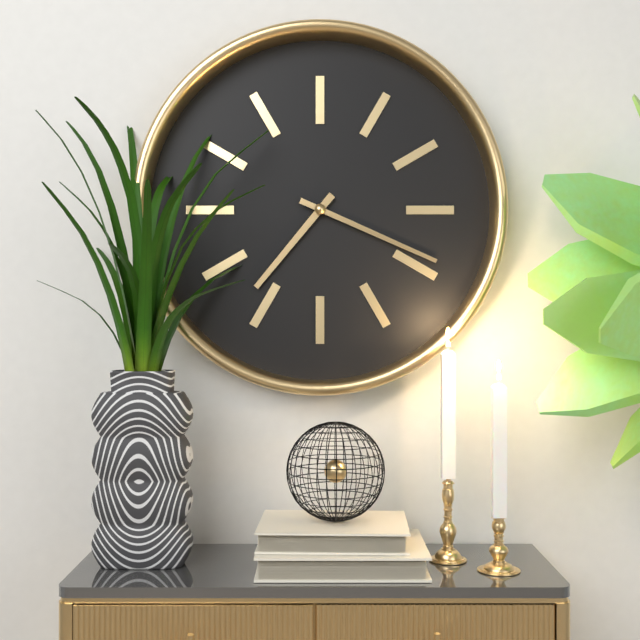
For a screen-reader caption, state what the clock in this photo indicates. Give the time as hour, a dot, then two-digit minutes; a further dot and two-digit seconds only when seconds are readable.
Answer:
7.19
